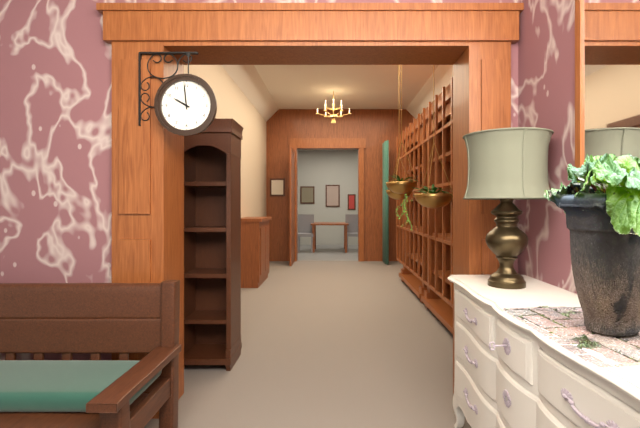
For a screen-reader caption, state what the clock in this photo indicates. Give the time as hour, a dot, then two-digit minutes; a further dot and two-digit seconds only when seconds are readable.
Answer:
9.59
